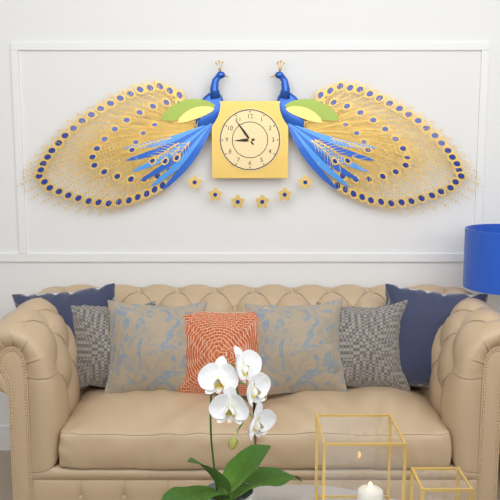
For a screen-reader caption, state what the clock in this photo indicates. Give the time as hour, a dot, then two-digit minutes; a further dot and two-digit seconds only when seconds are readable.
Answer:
8.54
